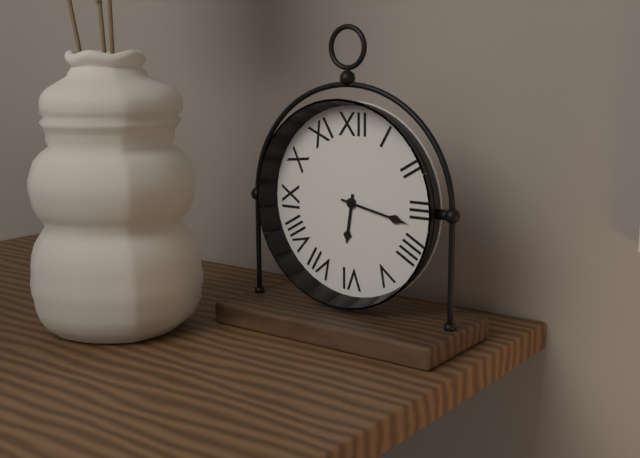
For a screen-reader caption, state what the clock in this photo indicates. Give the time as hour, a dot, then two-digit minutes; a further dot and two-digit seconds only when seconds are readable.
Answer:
6.17
